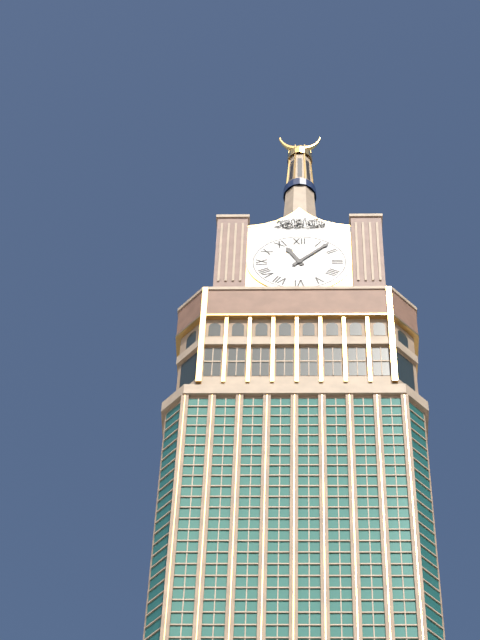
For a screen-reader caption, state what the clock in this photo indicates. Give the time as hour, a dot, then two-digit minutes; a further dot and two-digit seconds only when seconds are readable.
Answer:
11.07
